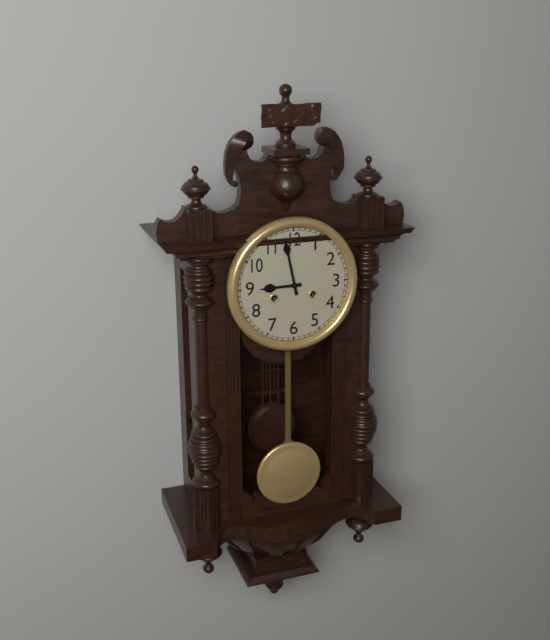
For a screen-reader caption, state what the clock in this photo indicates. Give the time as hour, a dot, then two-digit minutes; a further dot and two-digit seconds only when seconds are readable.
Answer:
8.58
